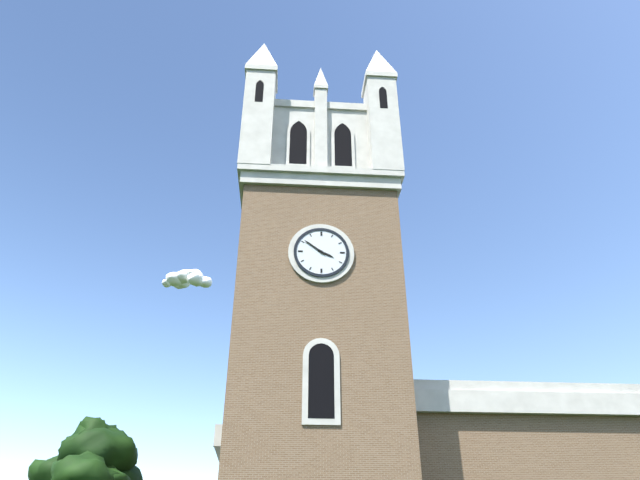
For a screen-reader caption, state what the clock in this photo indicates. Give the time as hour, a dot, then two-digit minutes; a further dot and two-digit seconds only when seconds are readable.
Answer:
3.51
